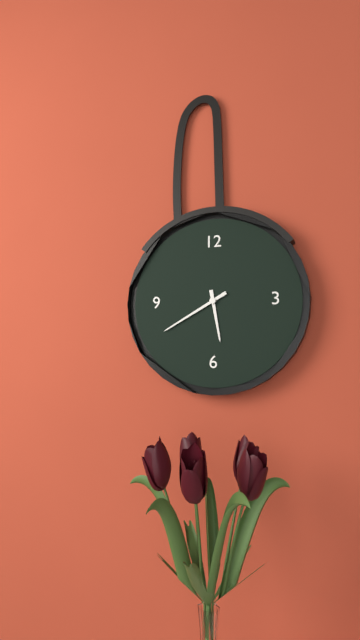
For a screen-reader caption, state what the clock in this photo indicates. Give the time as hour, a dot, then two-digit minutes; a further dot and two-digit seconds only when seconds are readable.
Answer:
5.40
